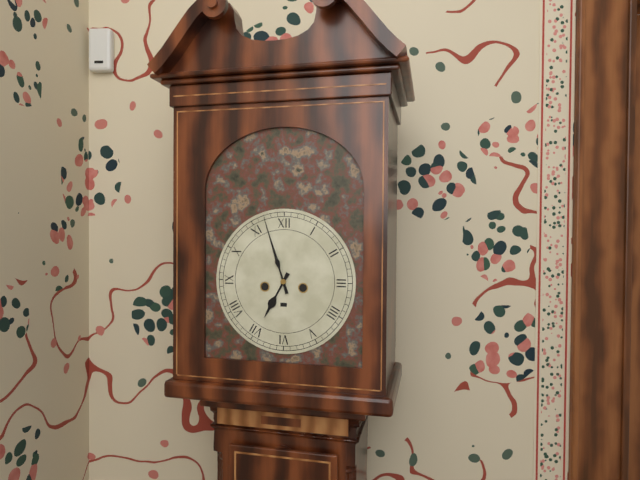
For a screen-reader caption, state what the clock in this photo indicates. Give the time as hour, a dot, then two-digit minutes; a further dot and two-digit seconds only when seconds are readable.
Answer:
6.57
